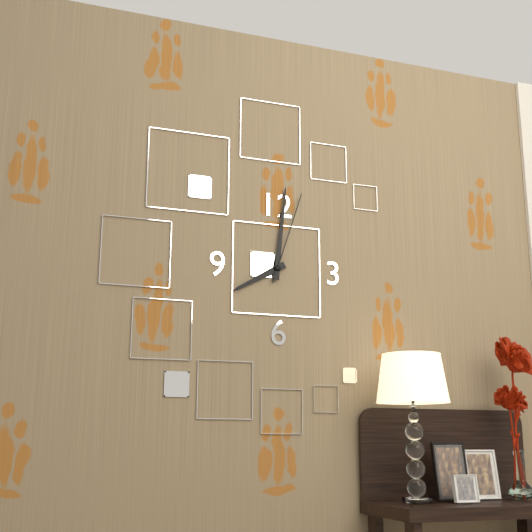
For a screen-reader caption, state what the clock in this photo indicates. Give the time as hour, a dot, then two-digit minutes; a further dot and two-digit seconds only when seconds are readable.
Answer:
8.01.03
